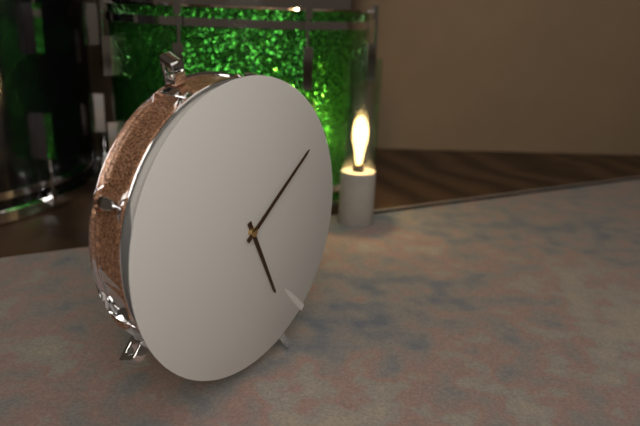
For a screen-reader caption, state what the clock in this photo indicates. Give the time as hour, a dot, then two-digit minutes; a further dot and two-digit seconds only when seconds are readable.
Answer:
5.09
